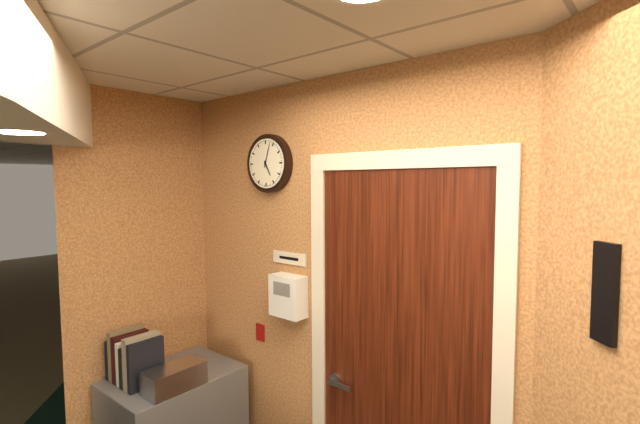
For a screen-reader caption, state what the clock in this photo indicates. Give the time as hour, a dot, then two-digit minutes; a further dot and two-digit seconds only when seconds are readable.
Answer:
5.03
